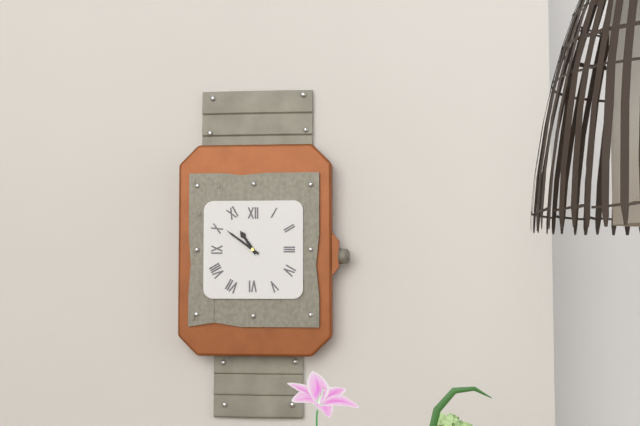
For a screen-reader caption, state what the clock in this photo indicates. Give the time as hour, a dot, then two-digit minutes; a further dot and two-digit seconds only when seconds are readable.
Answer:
10.51
